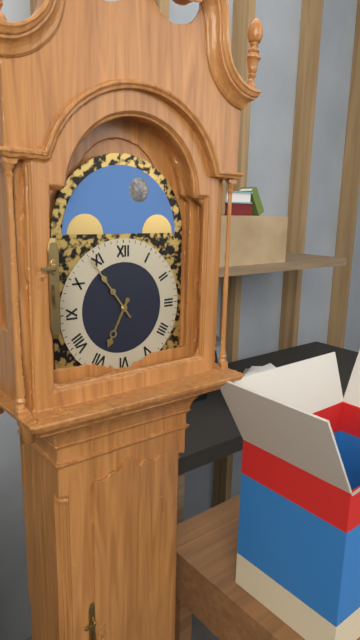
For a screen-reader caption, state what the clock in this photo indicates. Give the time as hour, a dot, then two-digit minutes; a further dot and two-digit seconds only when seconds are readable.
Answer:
6.54
